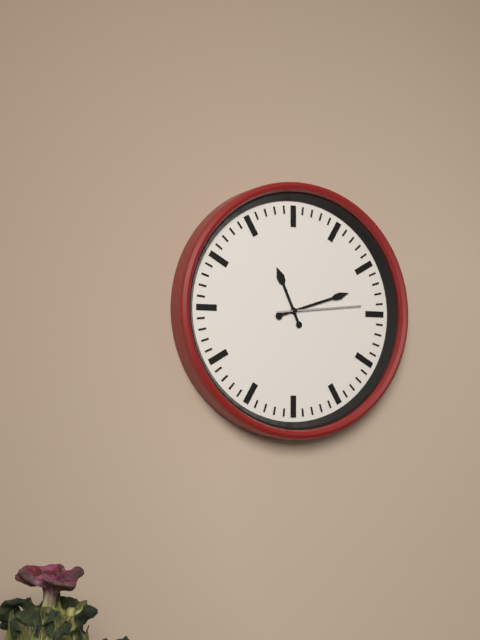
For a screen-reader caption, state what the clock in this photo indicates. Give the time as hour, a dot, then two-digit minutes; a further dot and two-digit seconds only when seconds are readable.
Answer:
11.12.14
